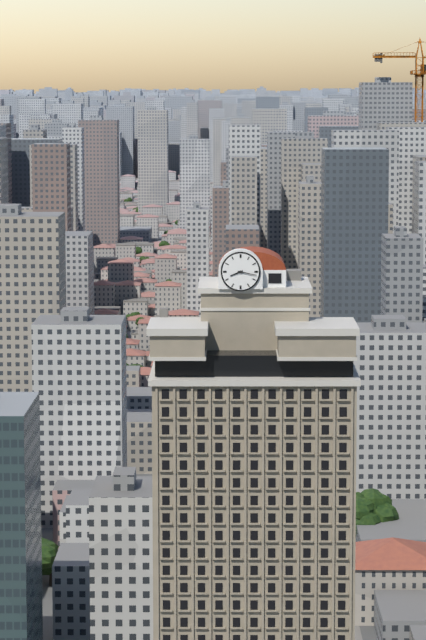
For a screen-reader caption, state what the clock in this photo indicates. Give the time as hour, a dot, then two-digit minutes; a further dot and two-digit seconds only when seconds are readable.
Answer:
8.17
